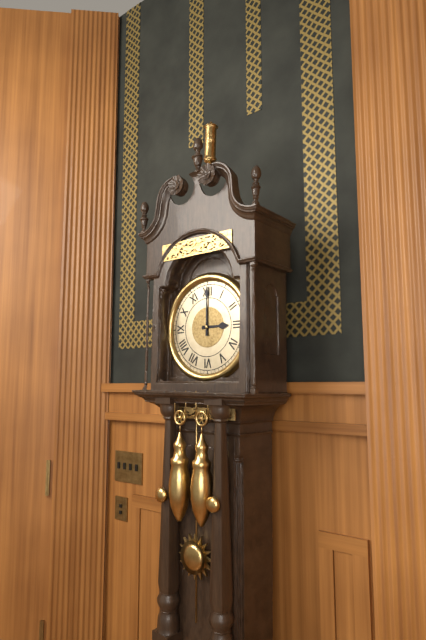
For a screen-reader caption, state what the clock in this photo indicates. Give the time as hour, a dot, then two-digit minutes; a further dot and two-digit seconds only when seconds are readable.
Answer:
3.00
